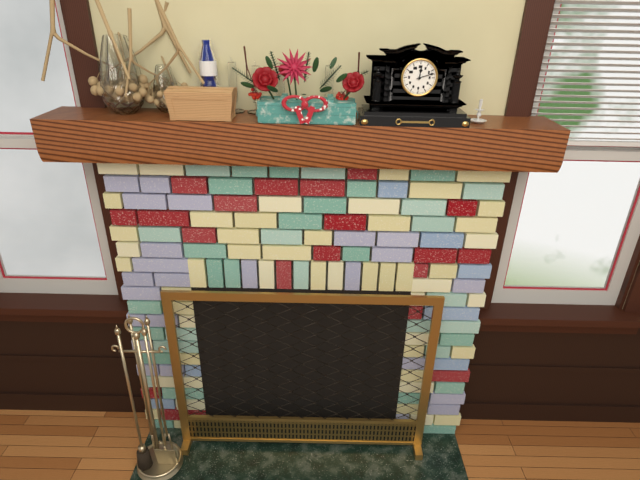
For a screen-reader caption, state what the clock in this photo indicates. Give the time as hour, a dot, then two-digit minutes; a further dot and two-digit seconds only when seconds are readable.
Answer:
12.12
